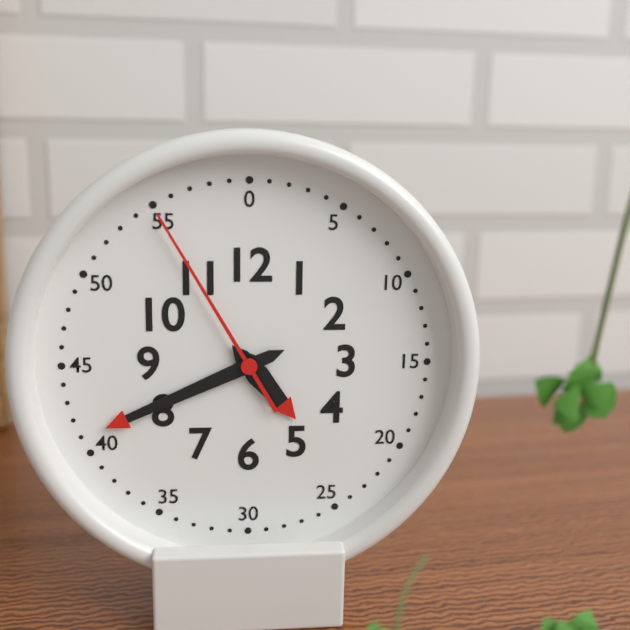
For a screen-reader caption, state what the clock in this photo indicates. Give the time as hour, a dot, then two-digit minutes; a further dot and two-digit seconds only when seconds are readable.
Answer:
4.41.55
